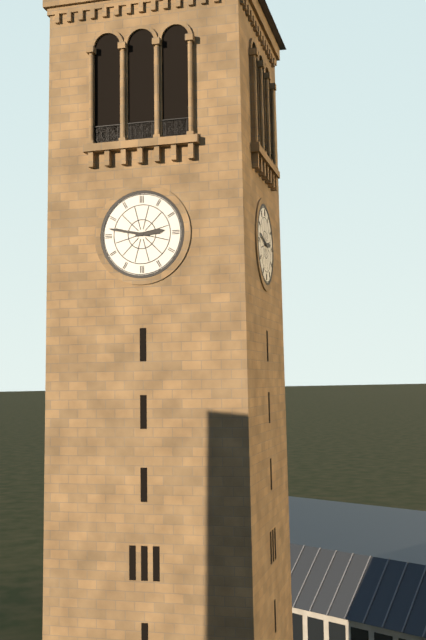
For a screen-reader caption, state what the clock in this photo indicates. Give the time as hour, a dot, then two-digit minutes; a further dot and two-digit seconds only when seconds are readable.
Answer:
2.47
